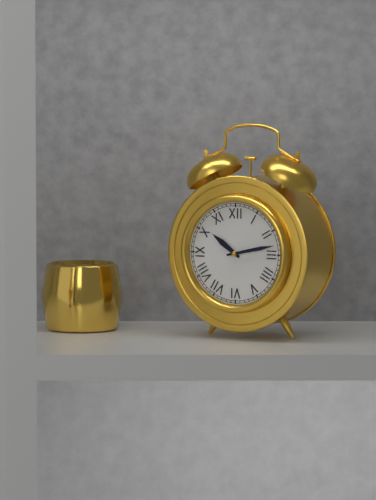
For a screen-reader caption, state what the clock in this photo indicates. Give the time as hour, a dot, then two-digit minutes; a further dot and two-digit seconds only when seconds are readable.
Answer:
10.13
